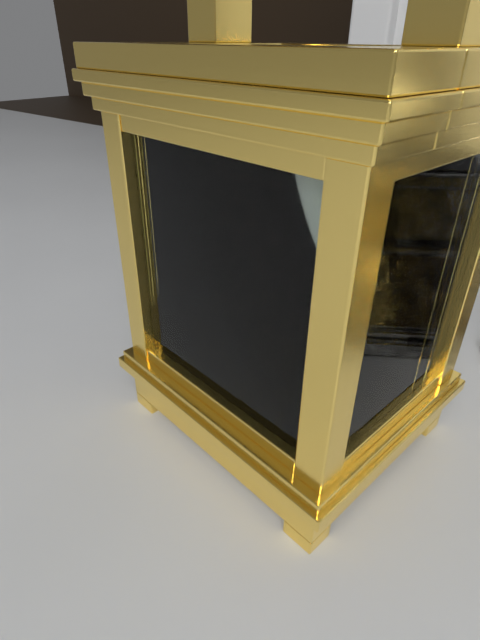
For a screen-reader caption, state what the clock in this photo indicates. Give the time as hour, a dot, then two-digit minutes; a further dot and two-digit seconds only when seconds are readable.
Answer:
5.26
